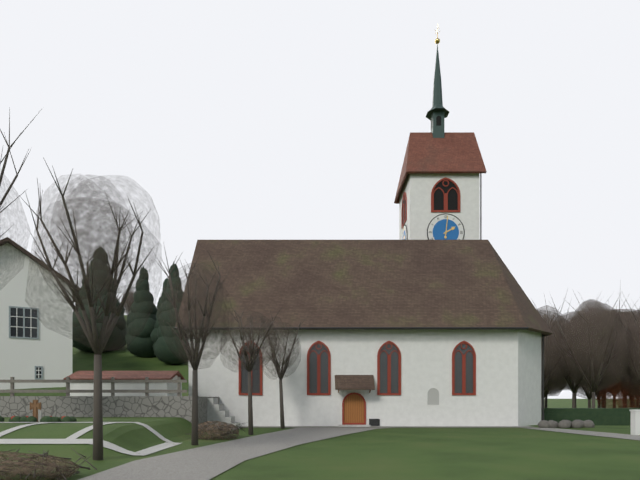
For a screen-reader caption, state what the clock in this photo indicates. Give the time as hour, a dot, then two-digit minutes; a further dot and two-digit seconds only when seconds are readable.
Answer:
2.01
